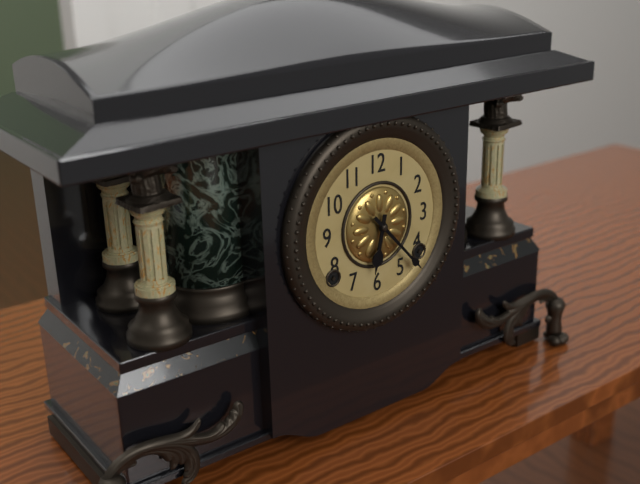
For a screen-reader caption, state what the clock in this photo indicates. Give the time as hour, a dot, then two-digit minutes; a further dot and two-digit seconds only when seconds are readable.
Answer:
6.23
